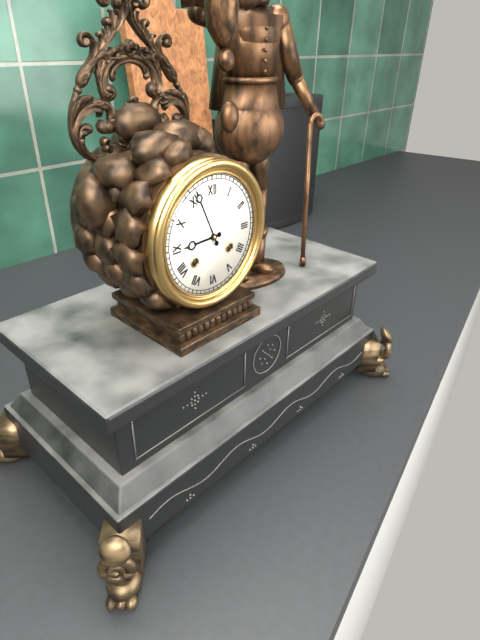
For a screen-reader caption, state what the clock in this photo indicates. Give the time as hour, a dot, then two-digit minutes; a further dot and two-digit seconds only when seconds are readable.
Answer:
8.56
